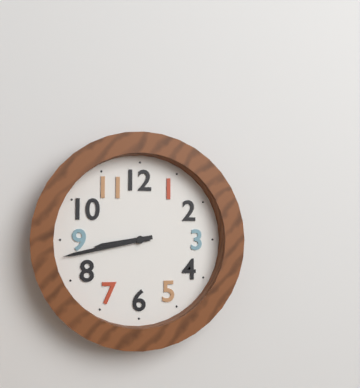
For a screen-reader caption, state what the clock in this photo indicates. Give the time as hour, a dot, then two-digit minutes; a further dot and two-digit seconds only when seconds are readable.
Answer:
8.43
